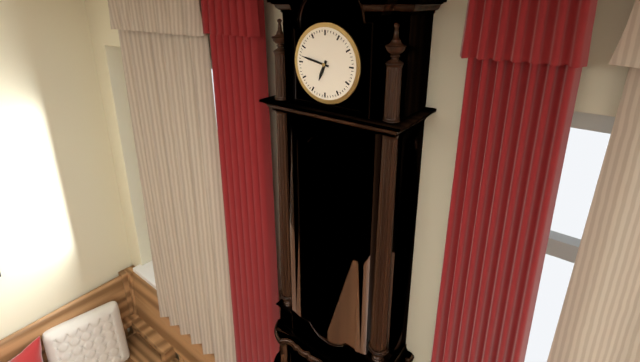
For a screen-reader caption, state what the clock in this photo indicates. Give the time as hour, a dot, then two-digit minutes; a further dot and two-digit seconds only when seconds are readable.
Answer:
6.47
